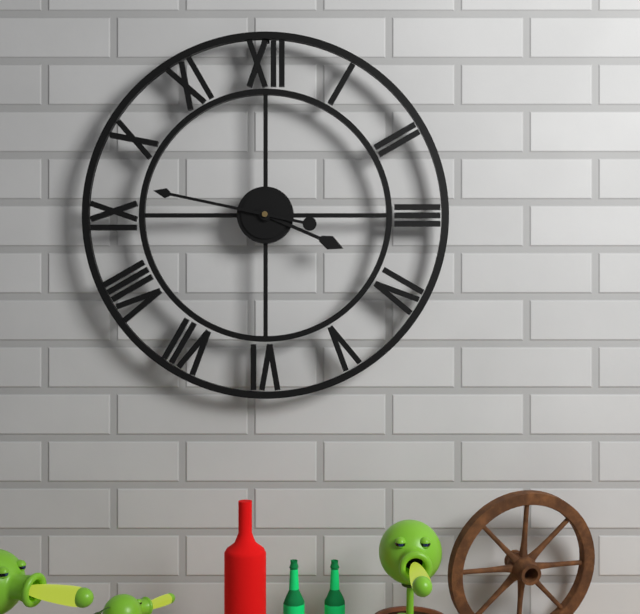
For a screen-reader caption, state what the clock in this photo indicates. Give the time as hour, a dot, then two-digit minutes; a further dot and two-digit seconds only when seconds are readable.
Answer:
3.47
